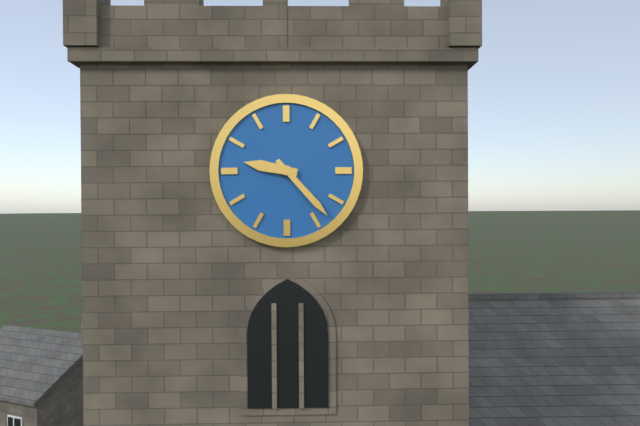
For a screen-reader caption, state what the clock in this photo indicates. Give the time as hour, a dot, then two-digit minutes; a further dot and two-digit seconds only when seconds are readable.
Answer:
9.23
